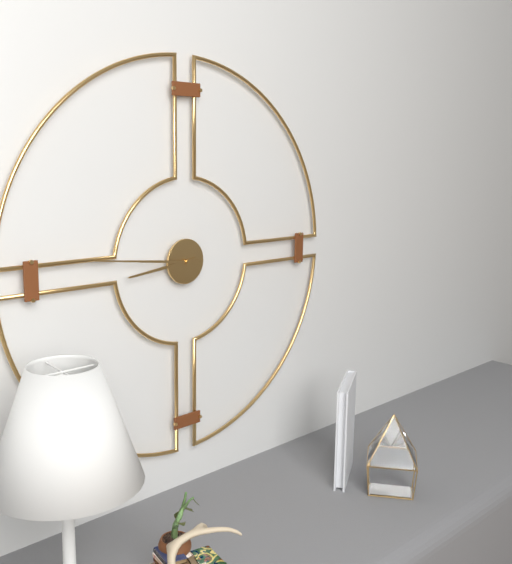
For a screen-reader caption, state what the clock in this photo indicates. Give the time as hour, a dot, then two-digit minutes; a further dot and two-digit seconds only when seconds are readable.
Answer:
8.46
